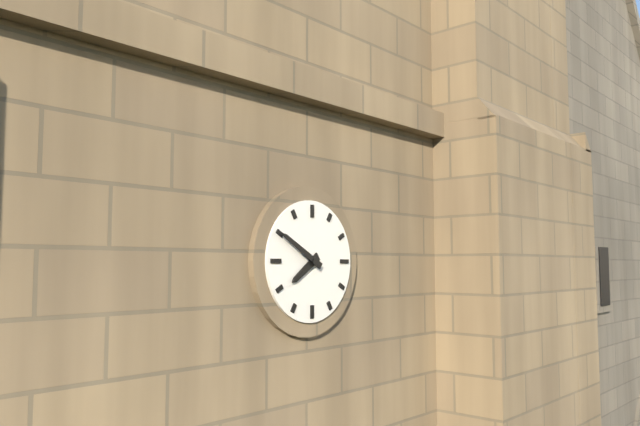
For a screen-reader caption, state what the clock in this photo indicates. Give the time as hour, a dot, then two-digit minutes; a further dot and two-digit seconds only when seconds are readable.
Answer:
7.50
